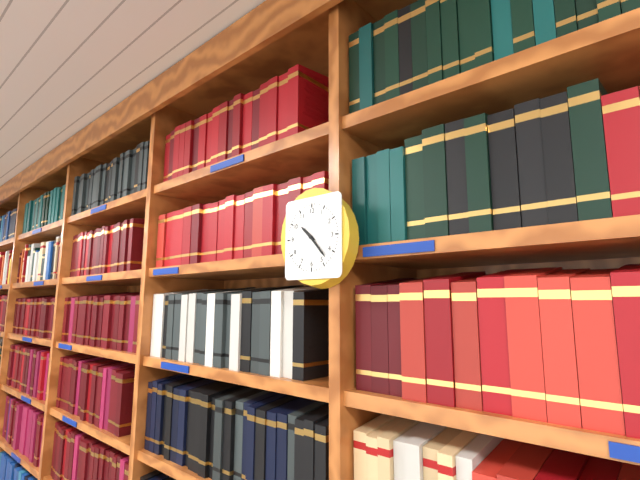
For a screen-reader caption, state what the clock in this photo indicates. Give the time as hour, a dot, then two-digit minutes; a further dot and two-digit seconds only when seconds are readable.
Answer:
10.23
